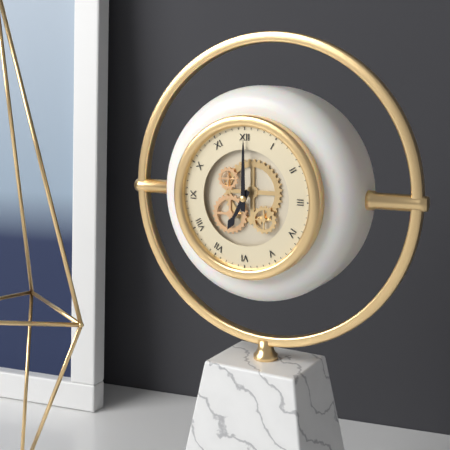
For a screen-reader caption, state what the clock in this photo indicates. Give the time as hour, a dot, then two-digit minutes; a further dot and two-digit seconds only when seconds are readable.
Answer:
7.00
